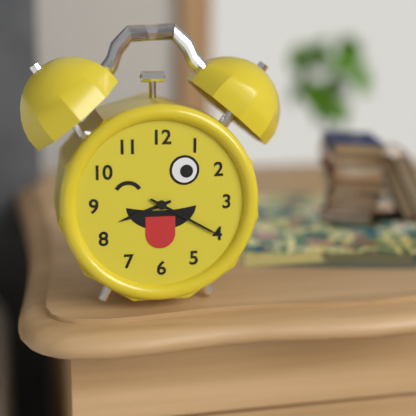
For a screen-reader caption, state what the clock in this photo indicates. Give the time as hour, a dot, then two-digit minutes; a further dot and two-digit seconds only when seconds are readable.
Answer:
8.20
